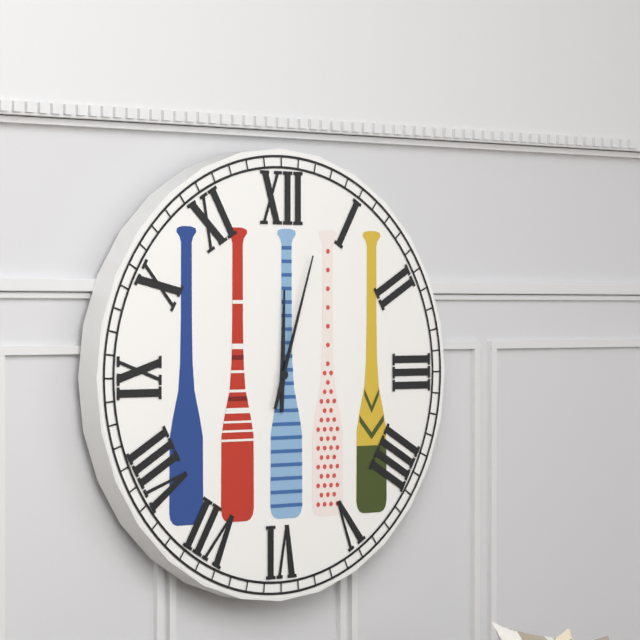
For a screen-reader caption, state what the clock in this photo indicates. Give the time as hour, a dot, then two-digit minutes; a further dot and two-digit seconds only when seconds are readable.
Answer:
12.03
